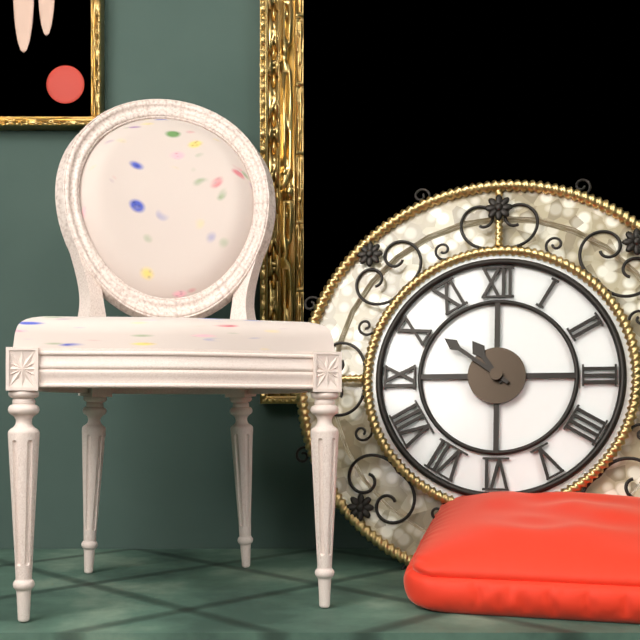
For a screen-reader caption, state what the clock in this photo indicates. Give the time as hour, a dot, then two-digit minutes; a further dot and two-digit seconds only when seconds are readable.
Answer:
10.51
